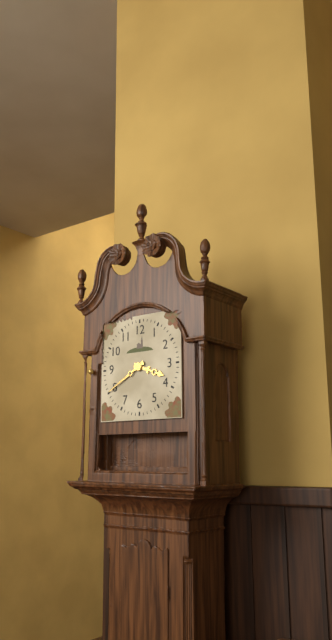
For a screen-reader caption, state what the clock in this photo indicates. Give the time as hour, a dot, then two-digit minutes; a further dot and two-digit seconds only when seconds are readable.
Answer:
3.40
